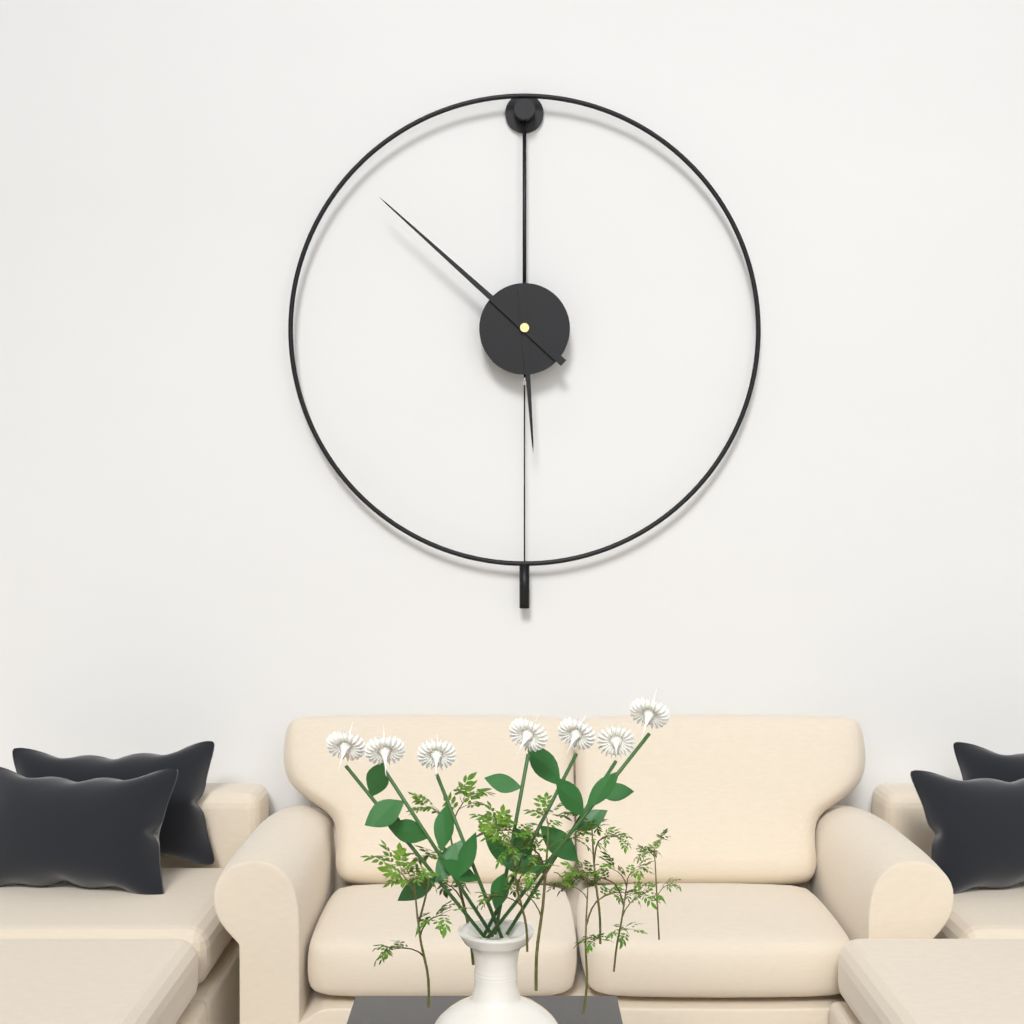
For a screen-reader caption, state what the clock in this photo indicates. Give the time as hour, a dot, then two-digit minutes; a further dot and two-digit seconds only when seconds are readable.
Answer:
5.52
